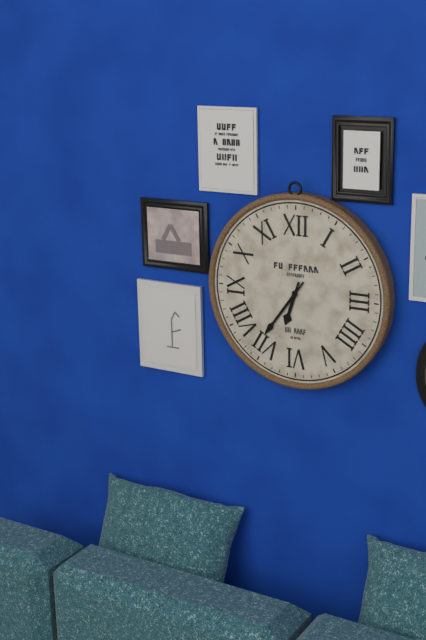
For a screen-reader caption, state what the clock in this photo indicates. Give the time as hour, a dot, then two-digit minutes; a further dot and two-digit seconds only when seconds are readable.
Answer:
6.36
